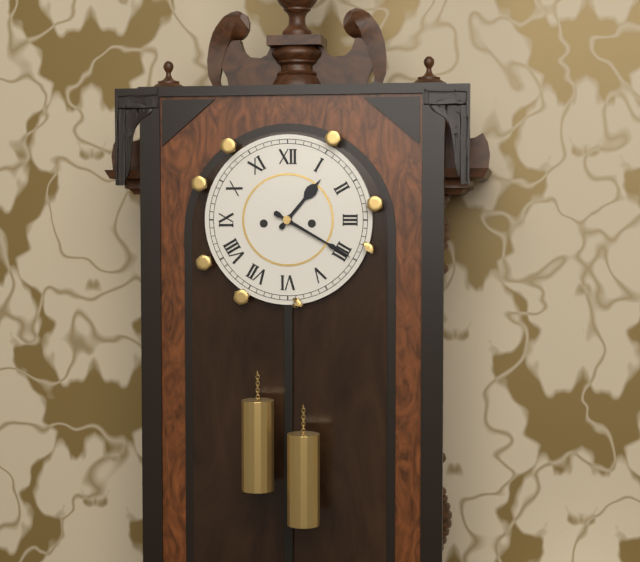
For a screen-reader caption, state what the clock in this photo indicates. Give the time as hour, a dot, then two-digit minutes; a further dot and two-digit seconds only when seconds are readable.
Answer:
1.20
